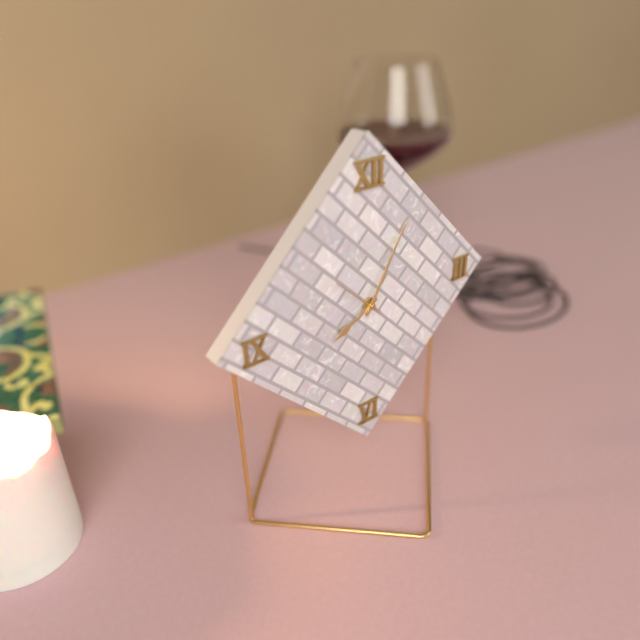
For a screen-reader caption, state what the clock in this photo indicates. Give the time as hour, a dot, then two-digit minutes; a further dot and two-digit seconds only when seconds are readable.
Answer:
8.05
